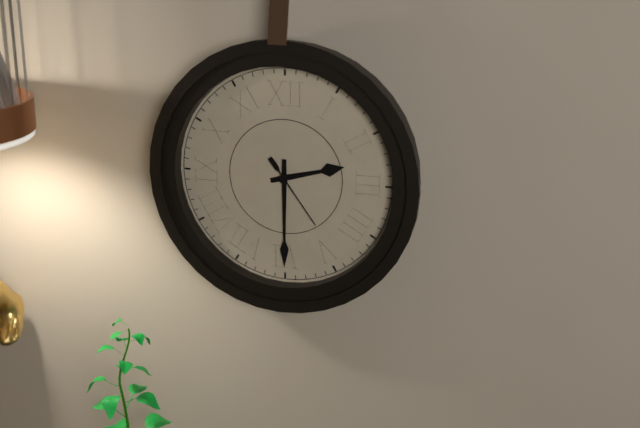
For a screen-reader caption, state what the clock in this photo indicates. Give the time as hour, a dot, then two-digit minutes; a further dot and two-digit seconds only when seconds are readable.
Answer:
2.30.24
